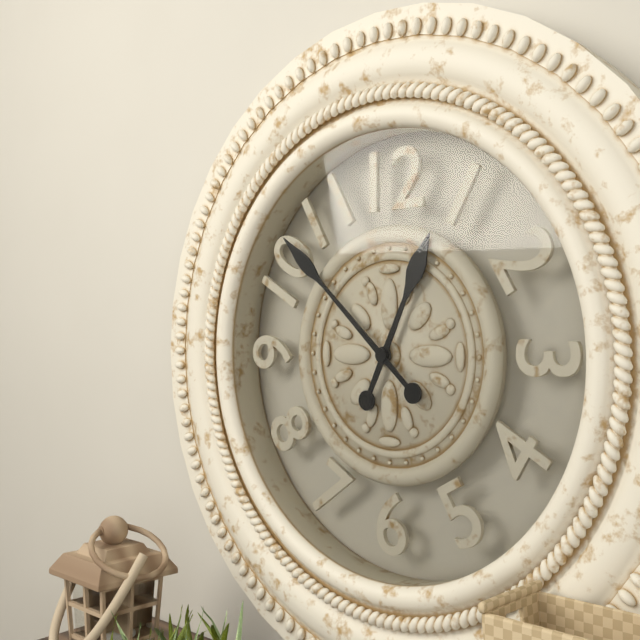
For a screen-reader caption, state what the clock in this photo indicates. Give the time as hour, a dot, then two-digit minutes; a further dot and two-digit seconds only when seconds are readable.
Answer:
12.52
